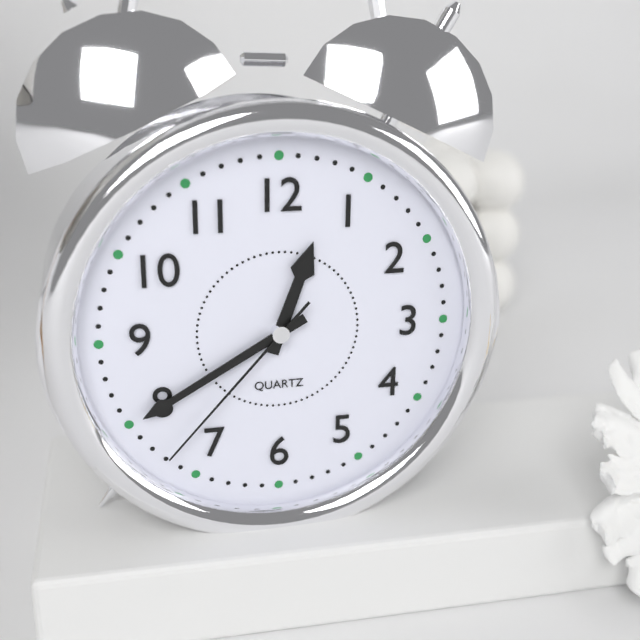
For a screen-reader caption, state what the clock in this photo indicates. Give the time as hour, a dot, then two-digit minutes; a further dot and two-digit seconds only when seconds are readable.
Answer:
12.40.37
